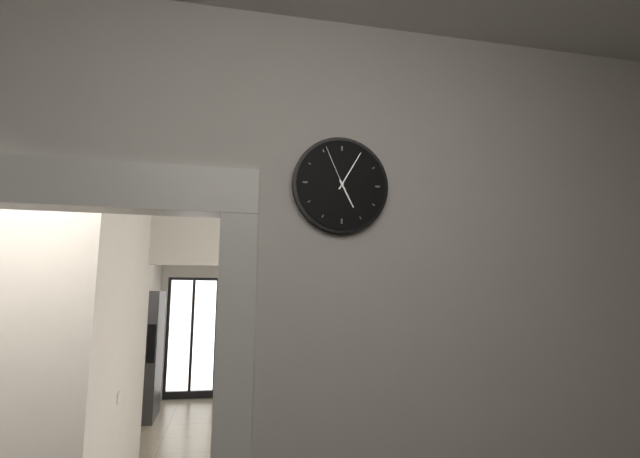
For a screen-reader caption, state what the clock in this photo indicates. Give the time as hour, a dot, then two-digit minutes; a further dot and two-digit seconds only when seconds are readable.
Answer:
5.05.56
